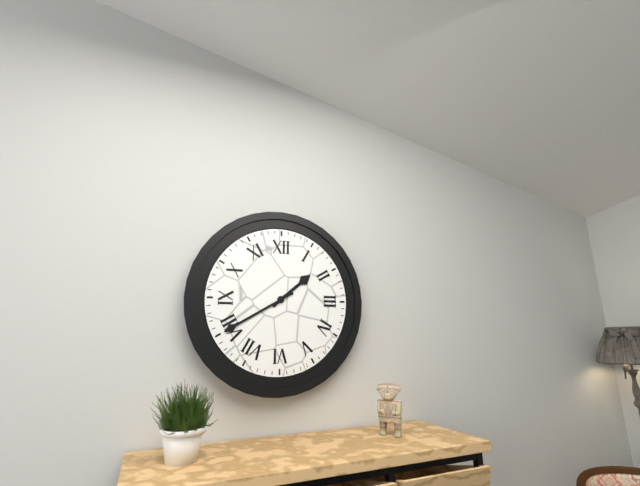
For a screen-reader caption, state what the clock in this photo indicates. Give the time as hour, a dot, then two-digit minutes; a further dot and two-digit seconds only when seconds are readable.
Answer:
1.40
